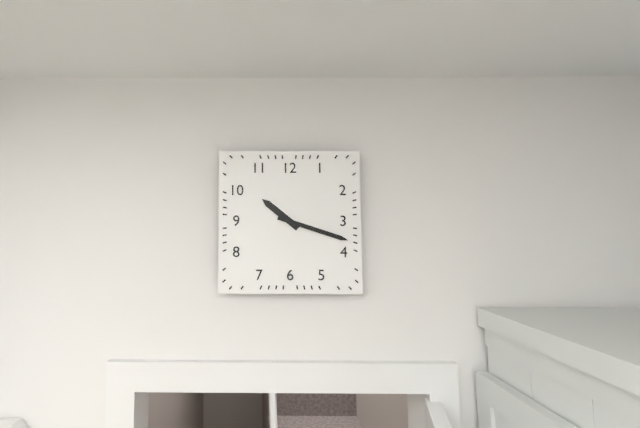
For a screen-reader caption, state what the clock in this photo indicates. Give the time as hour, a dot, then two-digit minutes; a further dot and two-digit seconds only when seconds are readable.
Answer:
10.18
